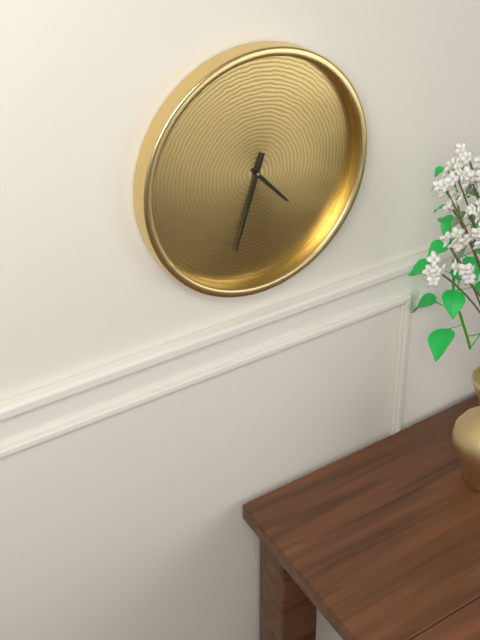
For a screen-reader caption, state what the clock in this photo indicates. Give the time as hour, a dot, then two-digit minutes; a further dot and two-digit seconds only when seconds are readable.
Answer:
4.33
